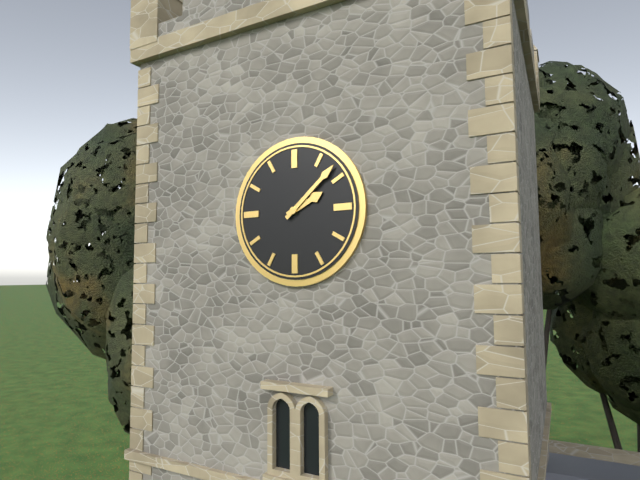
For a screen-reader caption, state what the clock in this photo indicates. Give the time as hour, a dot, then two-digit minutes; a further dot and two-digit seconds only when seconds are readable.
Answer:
2.08
